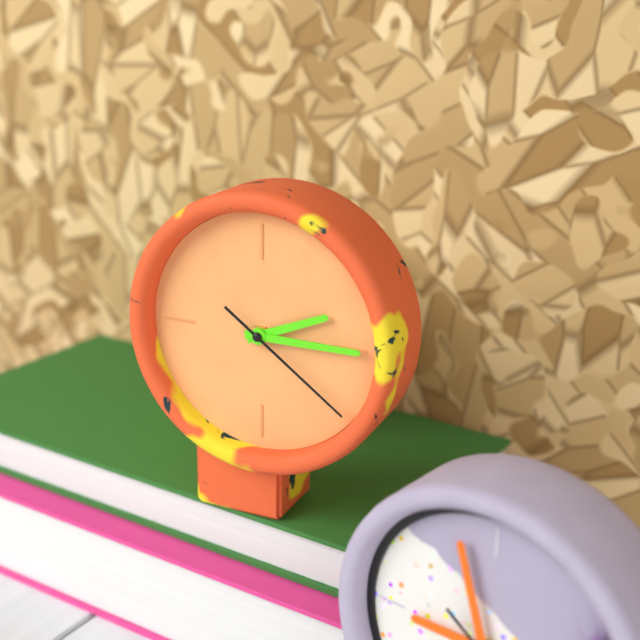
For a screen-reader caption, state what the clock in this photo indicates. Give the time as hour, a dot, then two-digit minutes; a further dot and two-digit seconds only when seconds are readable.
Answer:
2.15.21
